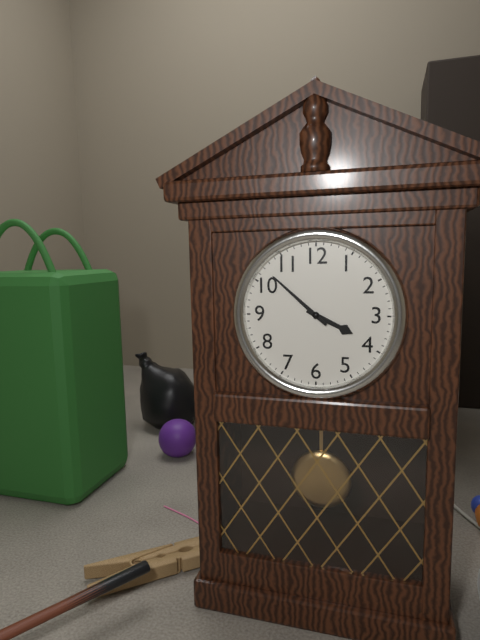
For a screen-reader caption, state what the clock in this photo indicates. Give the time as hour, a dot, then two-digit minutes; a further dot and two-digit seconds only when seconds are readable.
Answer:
3.52
